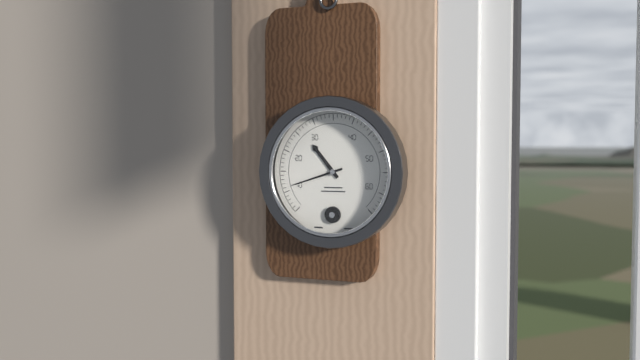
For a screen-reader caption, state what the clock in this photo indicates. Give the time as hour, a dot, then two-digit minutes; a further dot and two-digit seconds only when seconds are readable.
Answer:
10.42
